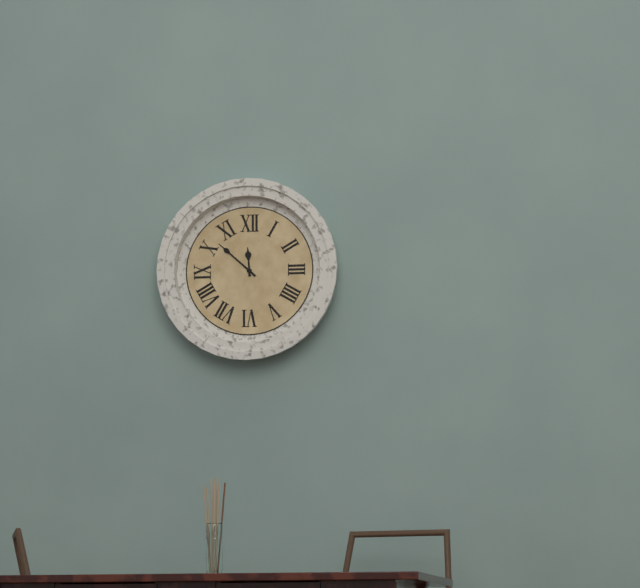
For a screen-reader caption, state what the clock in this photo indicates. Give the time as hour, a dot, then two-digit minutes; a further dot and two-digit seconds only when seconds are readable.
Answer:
11.52
